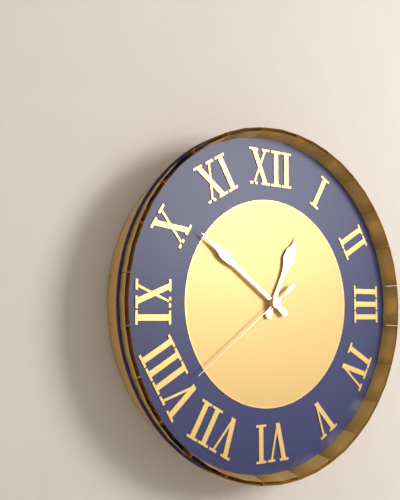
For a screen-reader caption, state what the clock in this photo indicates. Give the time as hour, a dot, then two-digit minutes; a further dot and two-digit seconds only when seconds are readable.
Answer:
12.51.39
